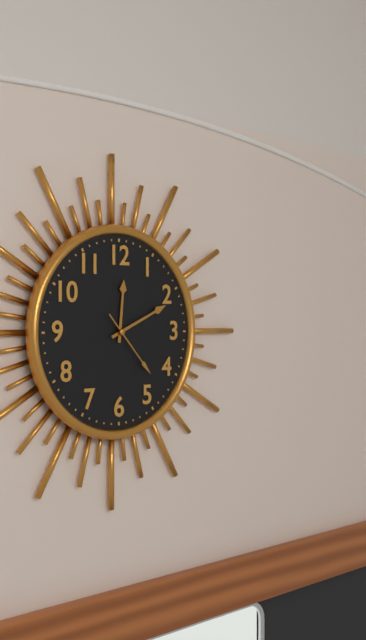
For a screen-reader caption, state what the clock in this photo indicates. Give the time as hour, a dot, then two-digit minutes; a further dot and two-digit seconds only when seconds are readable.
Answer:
12.11.23
